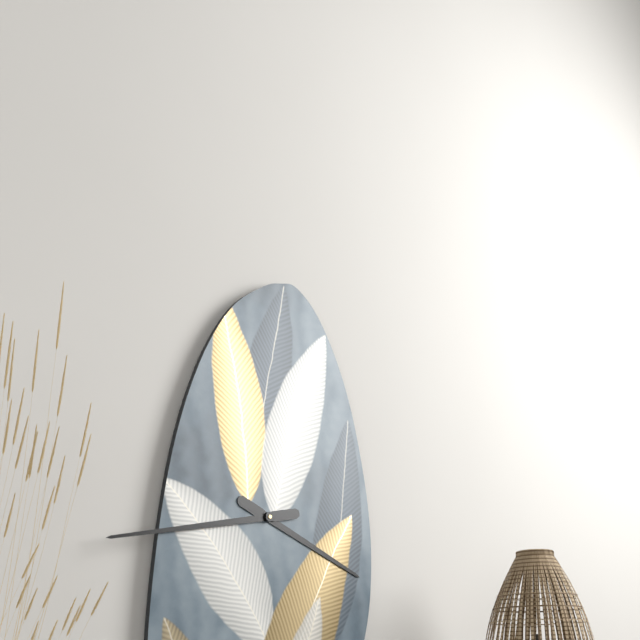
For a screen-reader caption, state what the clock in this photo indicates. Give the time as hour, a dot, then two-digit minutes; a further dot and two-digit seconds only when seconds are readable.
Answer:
3.43
